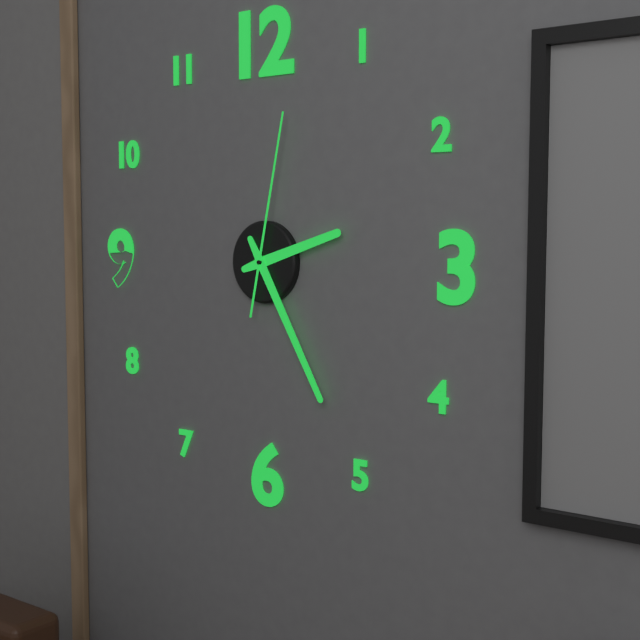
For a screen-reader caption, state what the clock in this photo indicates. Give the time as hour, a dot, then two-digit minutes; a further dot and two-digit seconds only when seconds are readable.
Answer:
2.25.02
